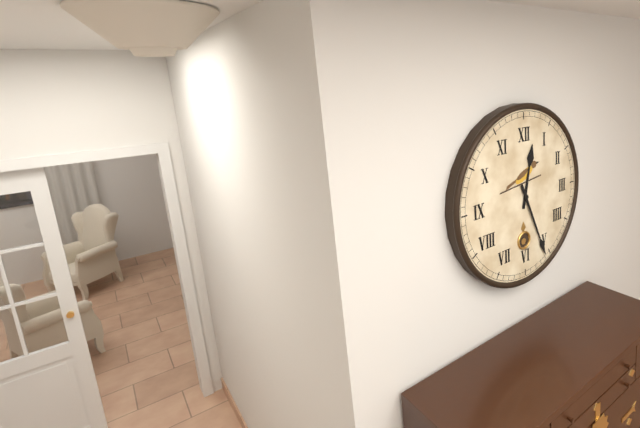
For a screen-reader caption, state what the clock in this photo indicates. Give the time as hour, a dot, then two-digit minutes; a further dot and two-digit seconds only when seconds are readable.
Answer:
12.26
